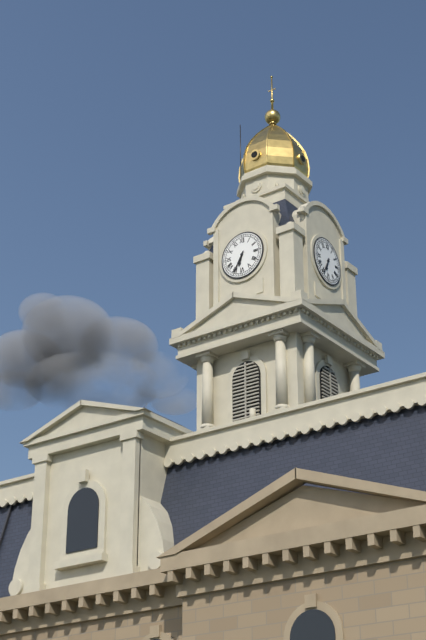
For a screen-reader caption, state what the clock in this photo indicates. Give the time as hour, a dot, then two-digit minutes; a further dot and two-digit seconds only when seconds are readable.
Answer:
6.35
